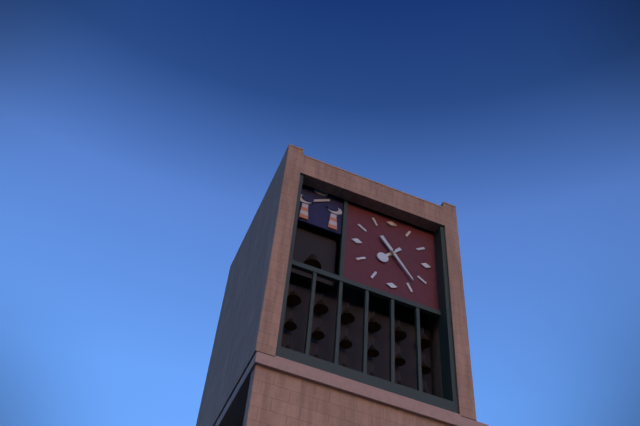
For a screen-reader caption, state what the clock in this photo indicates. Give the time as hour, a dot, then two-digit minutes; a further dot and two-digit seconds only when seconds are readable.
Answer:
7.24
